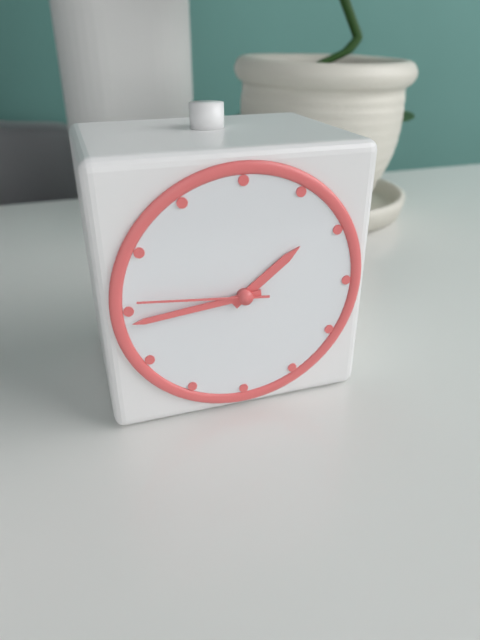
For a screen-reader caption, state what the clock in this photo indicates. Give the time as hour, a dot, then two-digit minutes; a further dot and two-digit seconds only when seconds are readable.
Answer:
1.44.46
